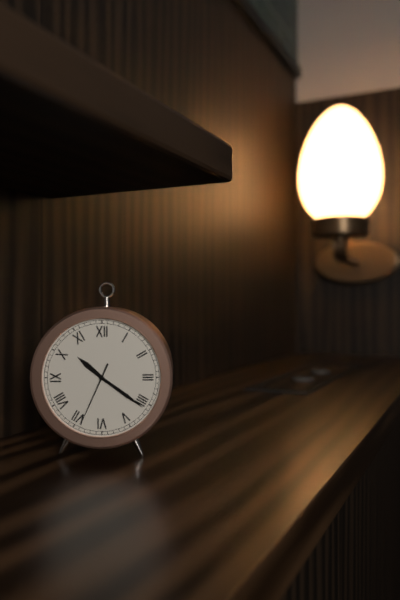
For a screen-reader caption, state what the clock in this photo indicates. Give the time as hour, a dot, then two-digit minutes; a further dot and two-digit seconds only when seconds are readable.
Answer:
10.21.34
